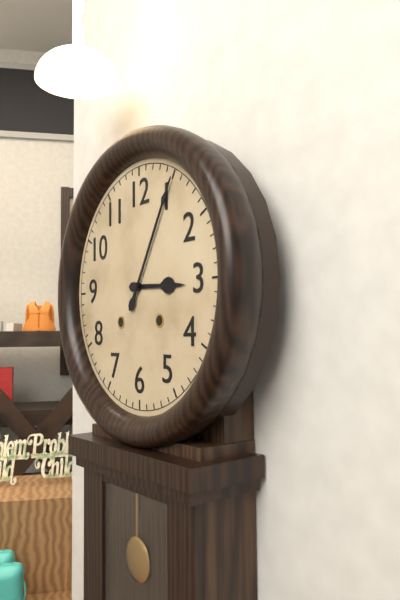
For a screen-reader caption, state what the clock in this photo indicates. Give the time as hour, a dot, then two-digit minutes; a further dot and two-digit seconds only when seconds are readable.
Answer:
3.05
